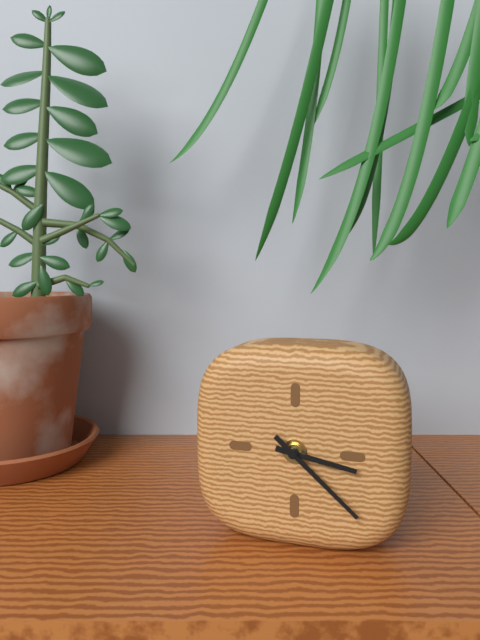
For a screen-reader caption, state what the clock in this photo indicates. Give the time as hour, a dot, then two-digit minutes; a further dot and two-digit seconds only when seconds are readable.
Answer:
3.22
